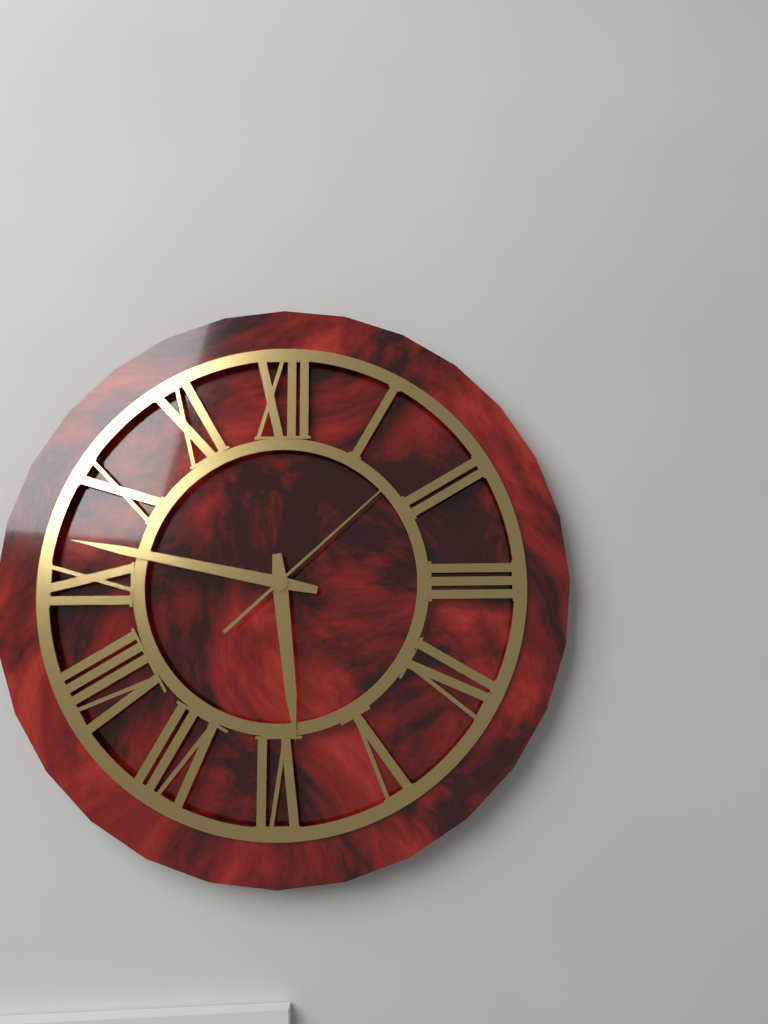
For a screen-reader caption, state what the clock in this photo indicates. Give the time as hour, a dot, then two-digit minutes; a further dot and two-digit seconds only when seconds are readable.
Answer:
5.47.08
